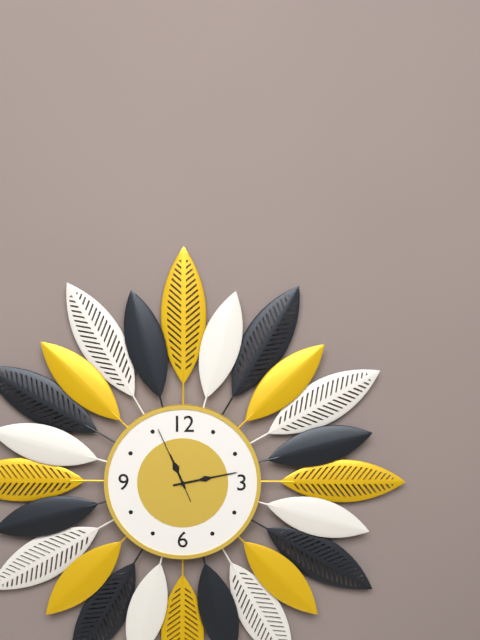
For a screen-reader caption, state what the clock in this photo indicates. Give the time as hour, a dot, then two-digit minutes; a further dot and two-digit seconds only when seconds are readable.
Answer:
11.13.56
